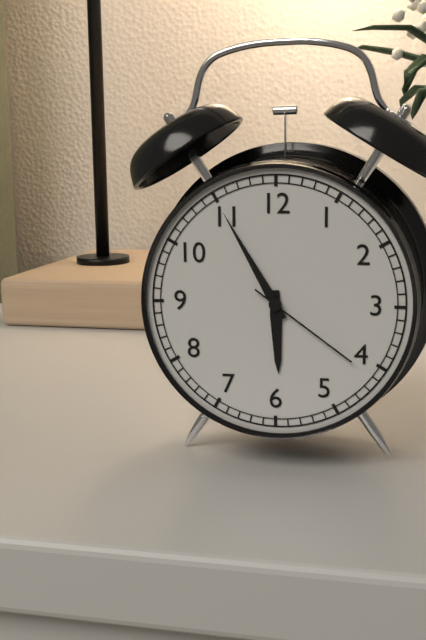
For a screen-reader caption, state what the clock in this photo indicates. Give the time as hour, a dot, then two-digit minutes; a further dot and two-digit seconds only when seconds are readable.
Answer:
5.55.21
